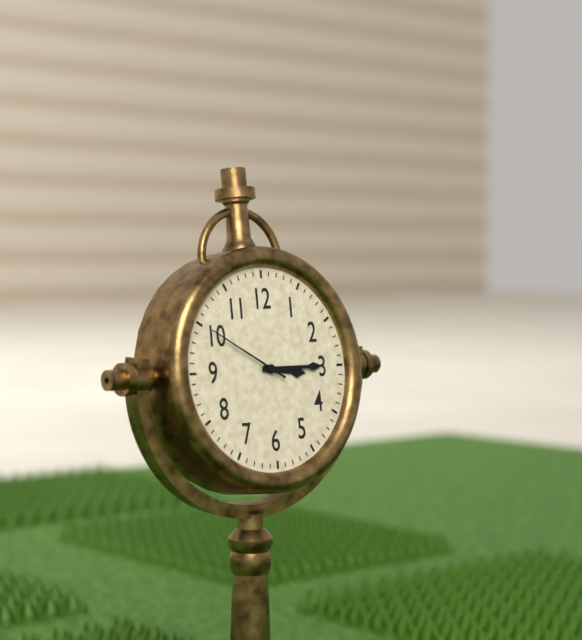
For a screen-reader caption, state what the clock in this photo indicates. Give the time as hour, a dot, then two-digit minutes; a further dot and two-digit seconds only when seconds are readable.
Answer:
3.15.50
